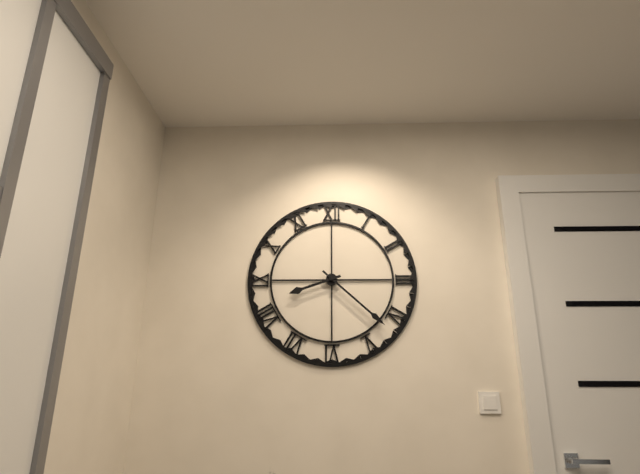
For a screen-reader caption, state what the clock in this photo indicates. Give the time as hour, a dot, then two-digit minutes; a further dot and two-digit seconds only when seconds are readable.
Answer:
8.22
